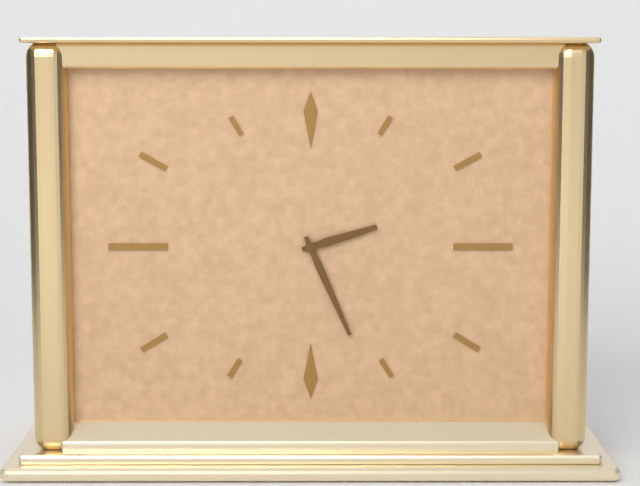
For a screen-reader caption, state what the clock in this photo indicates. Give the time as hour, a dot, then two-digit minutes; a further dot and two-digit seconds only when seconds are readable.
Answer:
2.26
